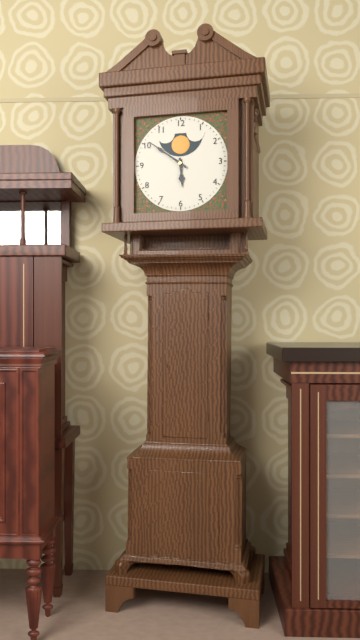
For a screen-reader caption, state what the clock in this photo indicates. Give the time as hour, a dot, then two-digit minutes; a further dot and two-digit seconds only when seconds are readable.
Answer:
5.51
